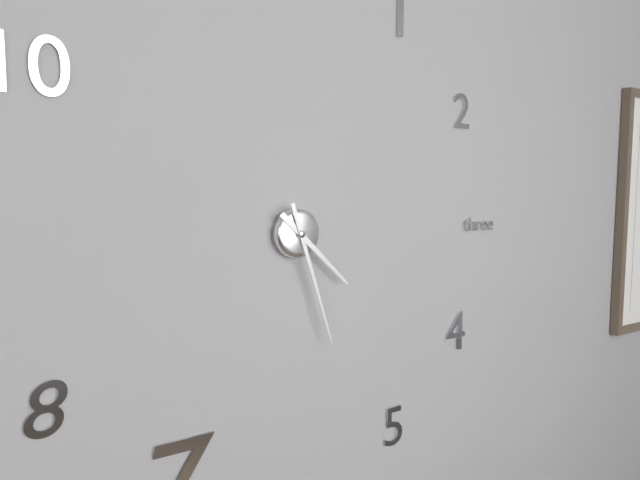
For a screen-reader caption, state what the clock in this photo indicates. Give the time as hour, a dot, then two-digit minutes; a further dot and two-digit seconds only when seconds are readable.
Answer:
4.27
